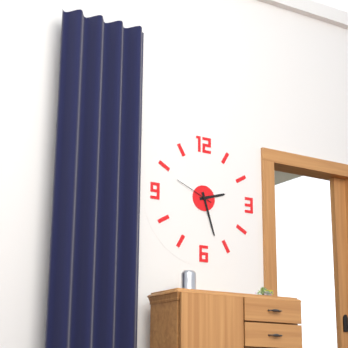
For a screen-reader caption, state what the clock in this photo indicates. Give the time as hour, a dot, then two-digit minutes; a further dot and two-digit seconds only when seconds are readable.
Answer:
2.27
